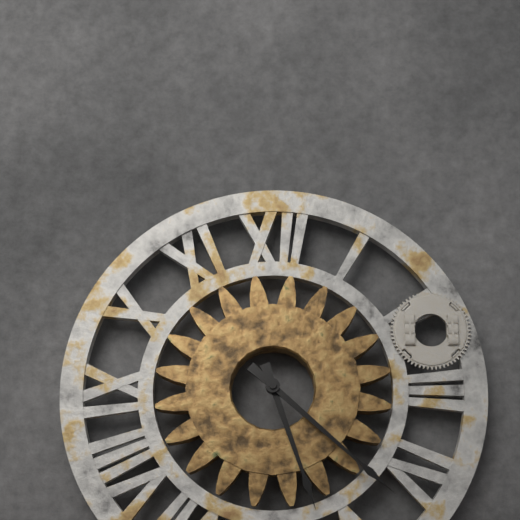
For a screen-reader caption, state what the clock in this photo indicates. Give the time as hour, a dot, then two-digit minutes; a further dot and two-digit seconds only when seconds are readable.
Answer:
5.22
